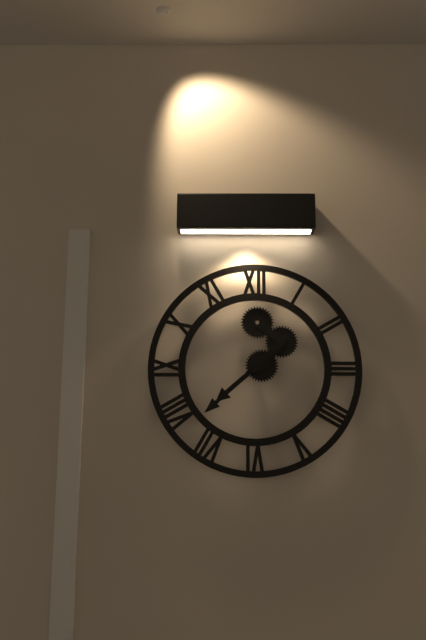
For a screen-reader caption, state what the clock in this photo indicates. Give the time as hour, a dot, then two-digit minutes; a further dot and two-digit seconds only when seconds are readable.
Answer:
7.38
